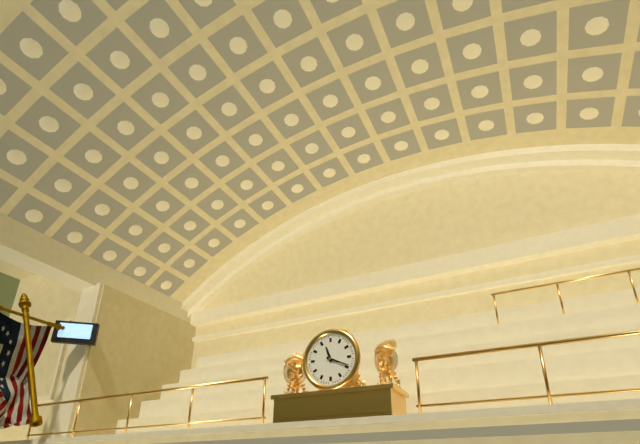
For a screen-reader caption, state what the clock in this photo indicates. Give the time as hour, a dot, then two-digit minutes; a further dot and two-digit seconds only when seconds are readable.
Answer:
11.19
